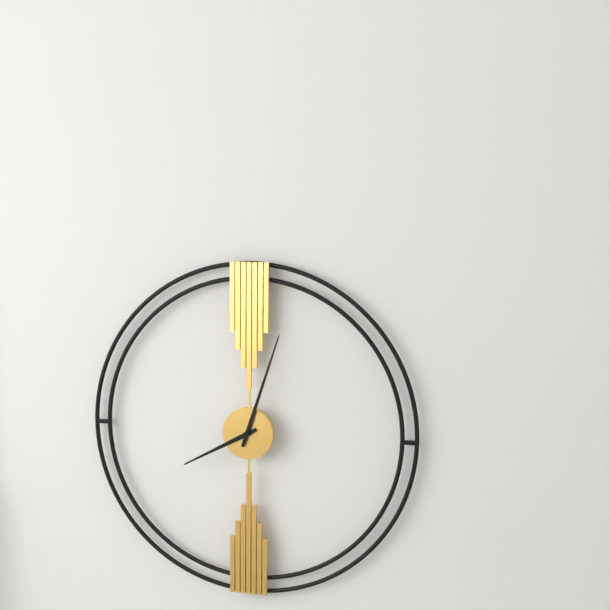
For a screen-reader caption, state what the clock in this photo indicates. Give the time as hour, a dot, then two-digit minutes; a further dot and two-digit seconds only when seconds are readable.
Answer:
8.03
